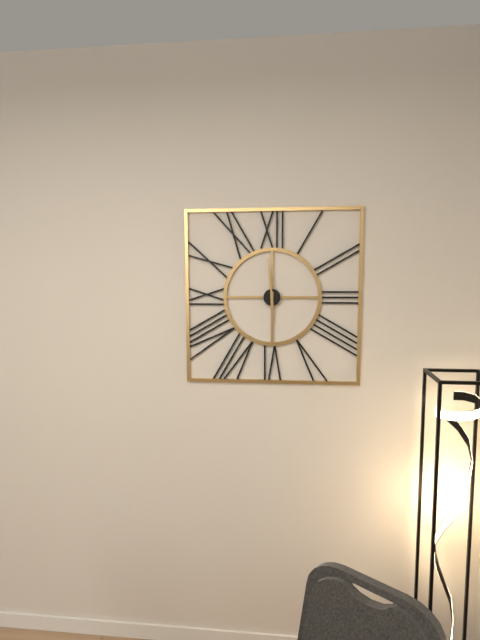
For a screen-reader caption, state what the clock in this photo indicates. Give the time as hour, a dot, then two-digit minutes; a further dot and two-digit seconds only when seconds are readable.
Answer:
5.59
